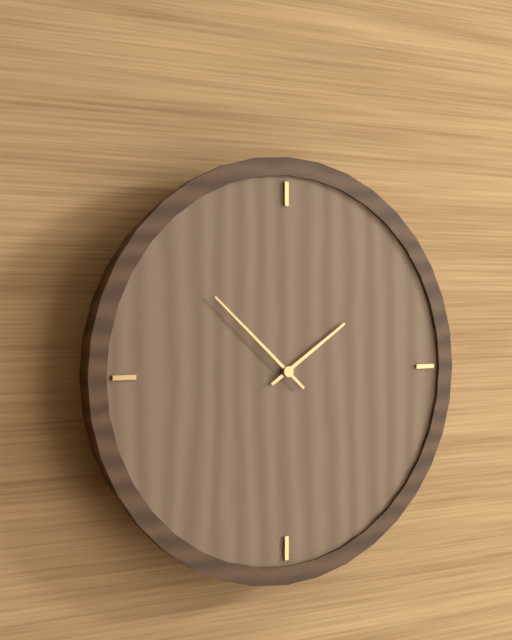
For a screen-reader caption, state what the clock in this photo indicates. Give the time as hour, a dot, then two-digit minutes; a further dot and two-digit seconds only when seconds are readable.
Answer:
1.52
